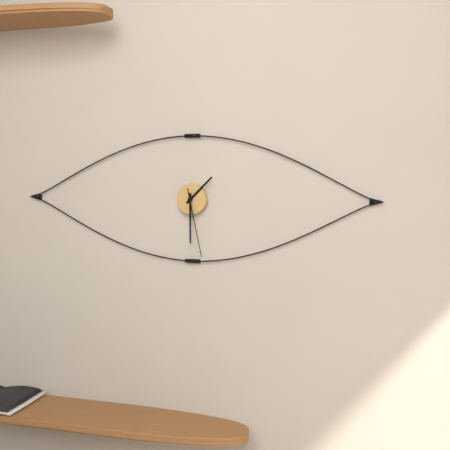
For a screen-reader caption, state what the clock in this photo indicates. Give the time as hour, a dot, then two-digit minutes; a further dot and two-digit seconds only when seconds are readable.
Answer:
1.30.28
